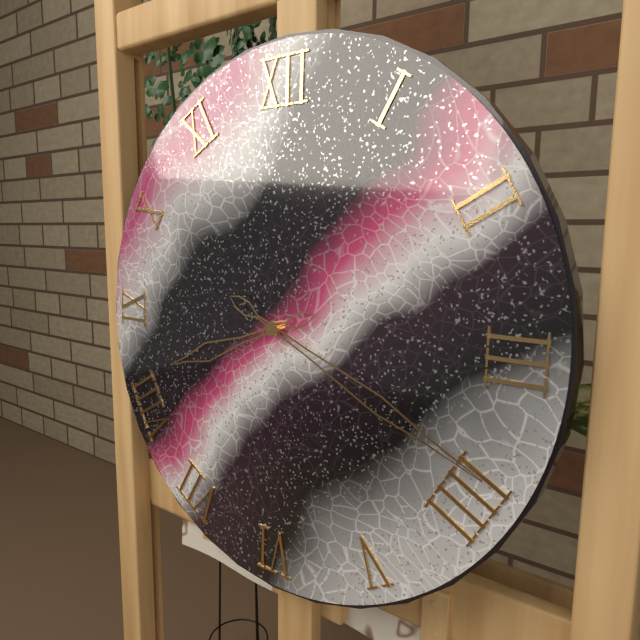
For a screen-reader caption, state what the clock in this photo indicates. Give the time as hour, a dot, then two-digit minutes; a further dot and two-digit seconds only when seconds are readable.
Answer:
8.19
